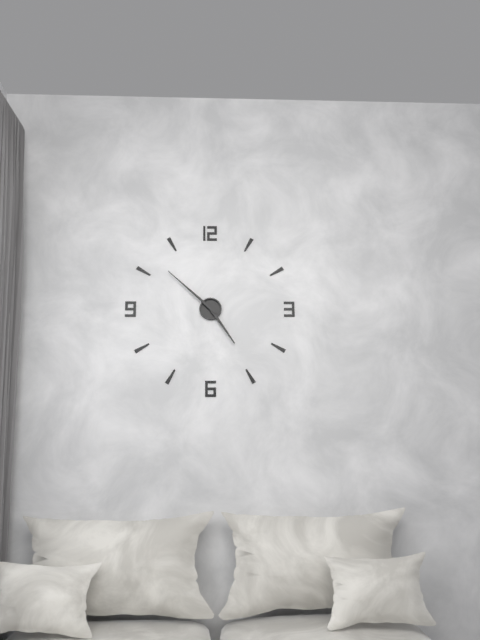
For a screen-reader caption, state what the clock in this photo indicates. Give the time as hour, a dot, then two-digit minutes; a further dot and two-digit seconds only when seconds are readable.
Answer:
4.52
